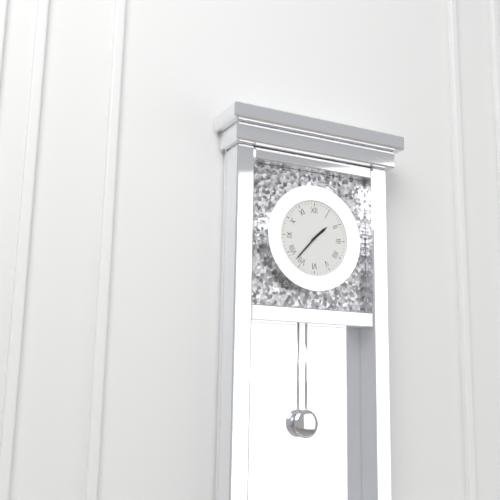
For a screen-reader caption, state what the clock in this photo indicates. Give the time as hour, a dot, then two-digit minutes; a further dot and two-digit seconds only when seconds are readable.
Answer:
1.37
